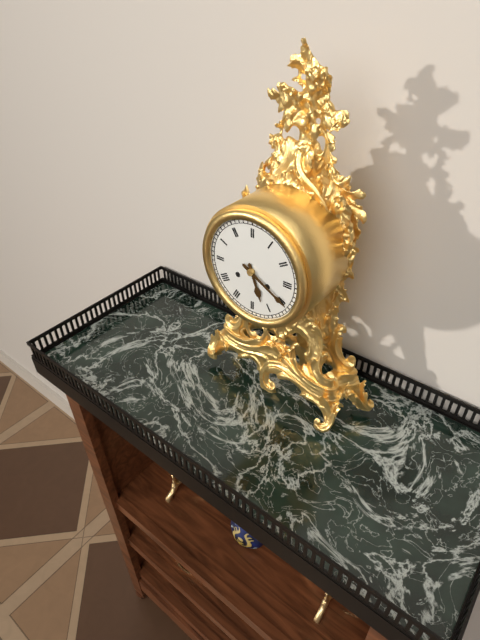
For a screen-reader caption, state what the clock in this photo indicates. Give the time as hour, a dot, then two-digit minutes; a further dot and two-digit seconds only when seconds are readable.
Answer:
5.20
